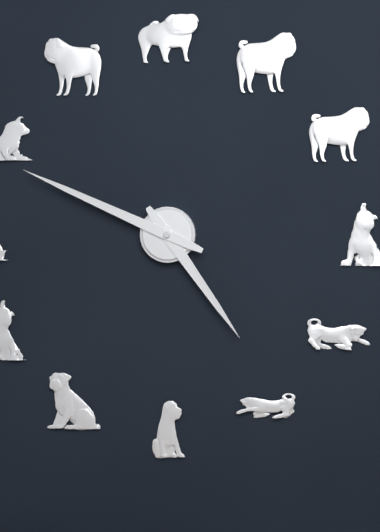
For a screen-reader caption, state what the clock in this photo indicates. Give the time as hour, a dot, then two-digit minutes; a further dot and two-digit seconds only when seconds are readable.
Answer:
4.49
